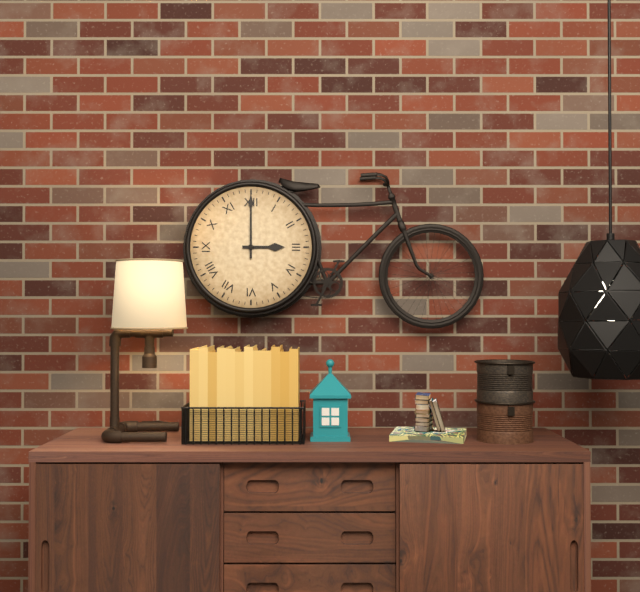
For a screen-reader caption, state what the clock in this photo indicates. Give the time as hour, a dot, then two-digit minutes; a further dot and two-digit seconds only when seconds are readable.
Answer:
3.00
